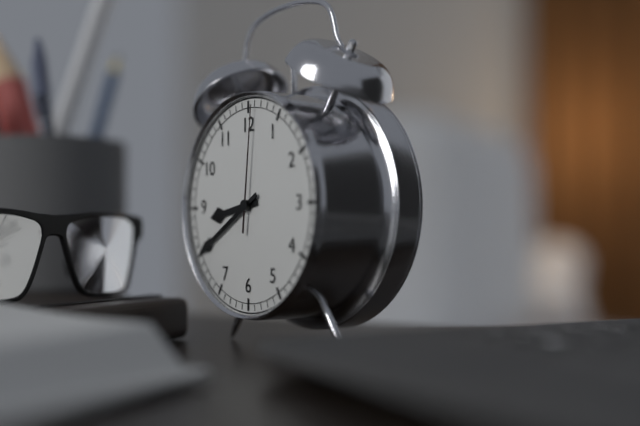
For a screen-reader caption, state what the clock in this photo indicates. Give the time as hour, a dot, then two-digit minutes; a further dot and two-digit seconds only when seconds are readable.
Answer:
8.40.01
